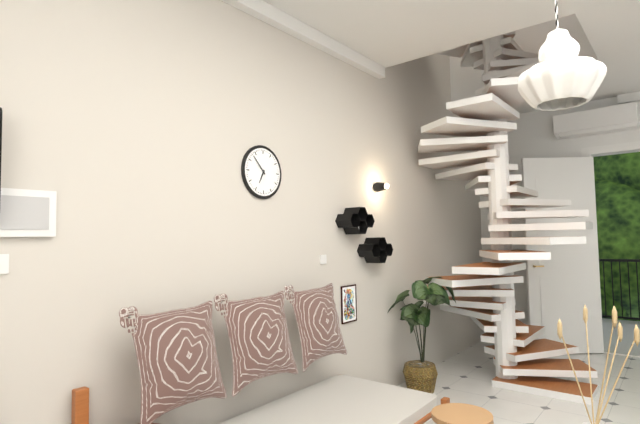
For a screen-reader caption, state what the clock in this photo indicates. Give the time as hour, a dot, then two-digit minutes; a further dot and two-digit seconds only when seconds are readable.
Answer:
6.53
